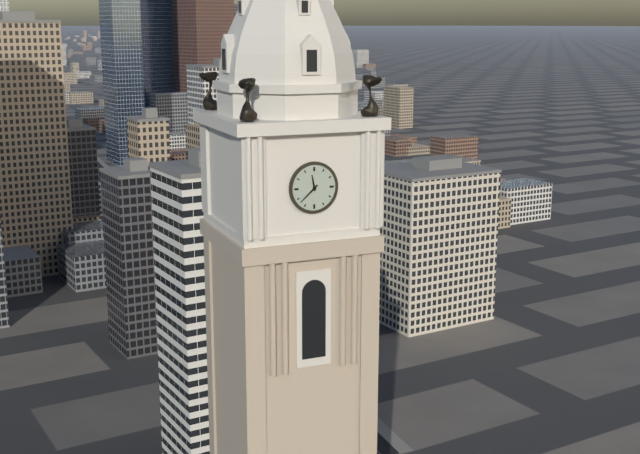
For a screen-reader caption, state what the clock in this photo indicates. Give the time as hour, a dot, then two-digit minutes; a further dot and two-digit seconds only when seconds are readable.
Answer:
11.38
